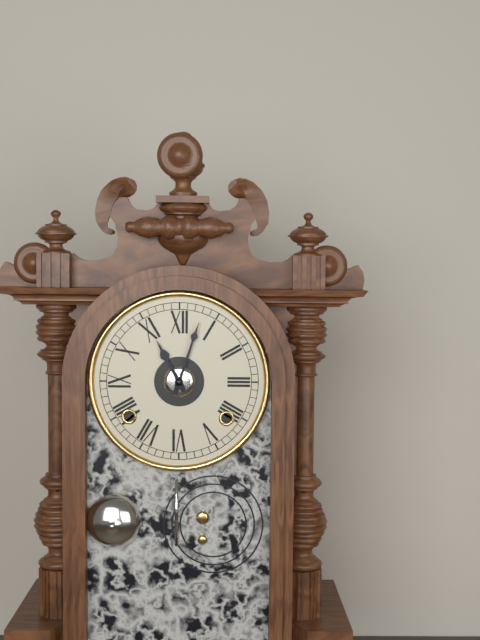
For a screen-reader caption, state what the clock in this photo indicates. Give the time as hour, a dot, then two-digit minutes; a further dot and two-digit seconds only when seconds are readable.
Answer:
11.03
